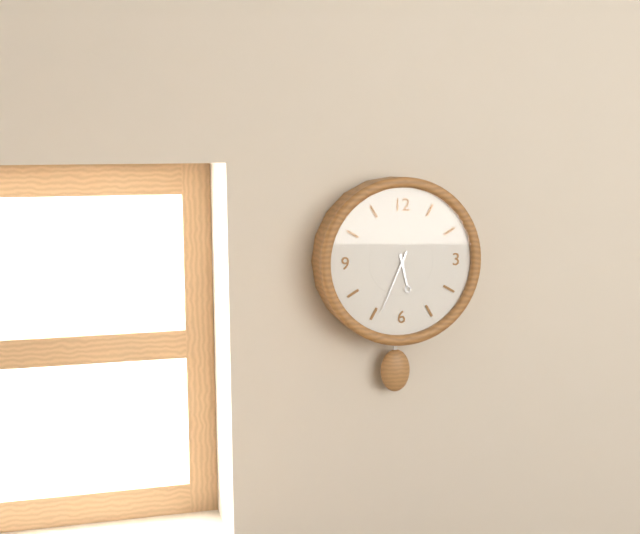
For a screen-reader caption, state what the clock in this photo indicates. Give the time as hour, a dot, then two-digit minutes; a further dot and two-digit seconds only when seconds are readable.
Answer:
5.34
